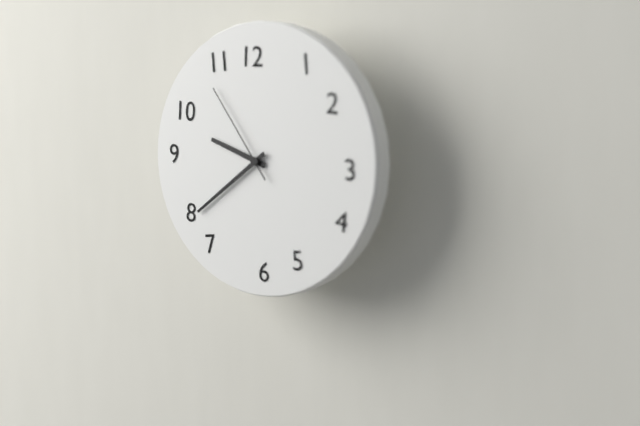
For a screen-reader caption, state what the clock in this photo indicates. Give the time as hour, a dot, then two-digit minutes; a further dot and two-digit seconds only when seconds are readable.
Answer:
9.39.54
